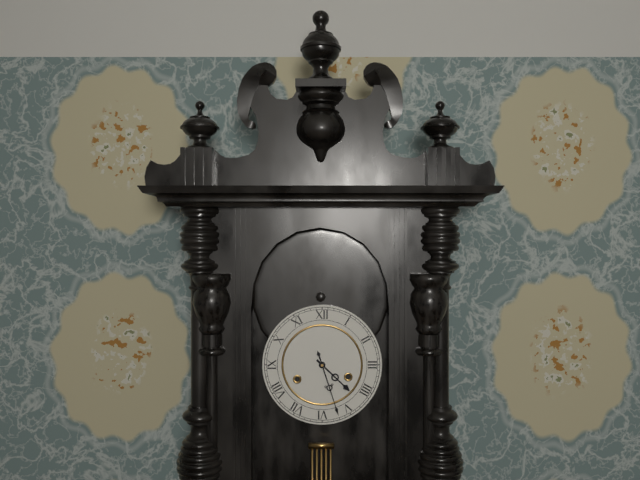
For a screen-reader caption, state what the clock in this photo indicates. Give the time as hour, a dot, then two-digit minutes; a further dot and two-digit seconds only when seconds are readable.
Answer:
4.27
